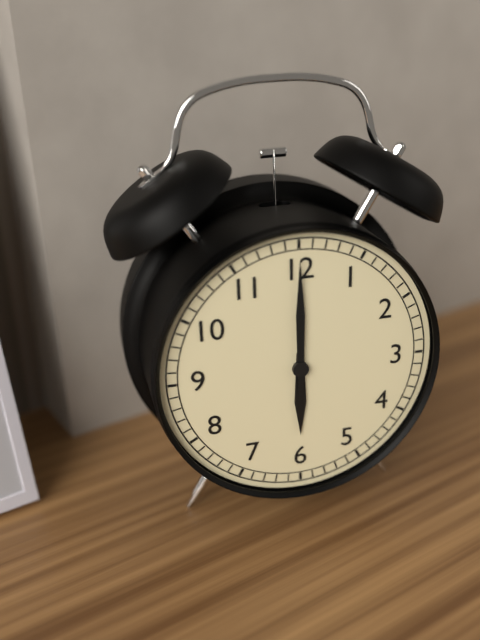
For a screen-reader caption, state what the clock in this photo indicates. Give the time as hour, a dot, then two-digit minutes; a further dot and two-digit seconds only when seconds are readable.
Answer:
6.00
